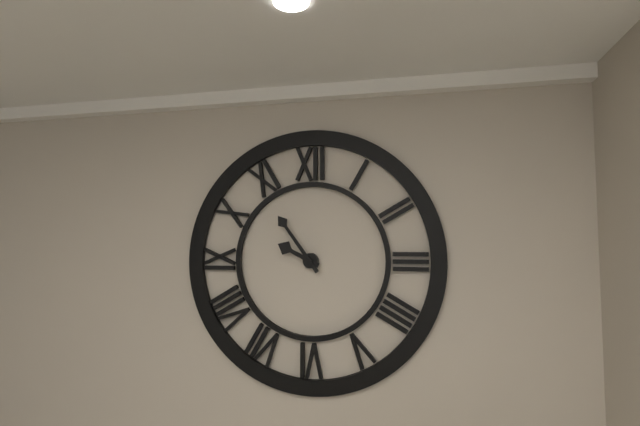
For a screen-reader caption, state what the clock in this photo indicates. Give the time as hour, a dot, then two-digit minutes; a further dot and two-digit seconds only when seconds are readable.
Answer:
9.54
